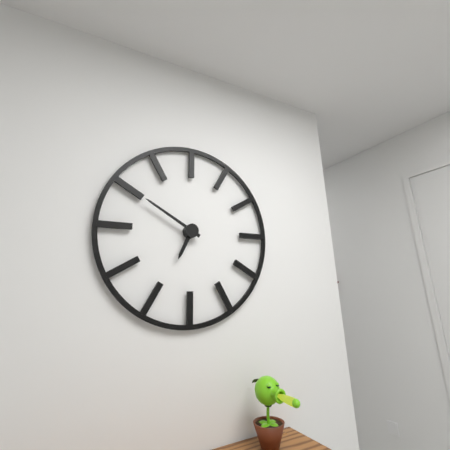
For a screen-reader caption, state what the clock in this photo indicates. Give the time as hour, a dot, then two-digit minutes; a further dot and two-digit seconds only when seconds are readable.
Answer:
6.50
